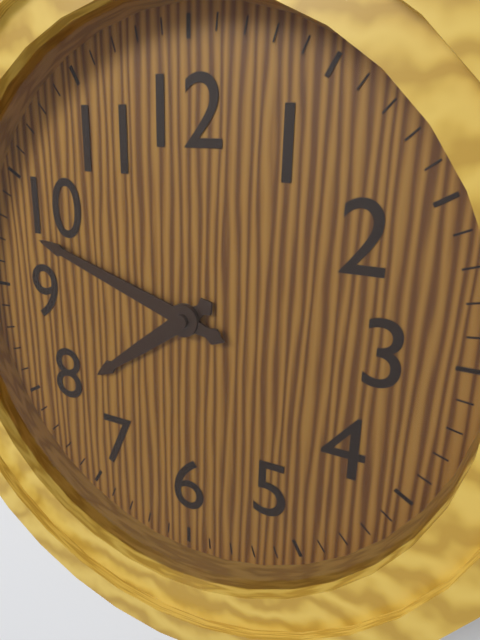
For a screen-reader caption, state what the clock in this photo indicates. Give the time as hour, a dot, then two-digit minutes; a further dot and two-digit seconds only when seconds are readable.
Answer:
7.48
